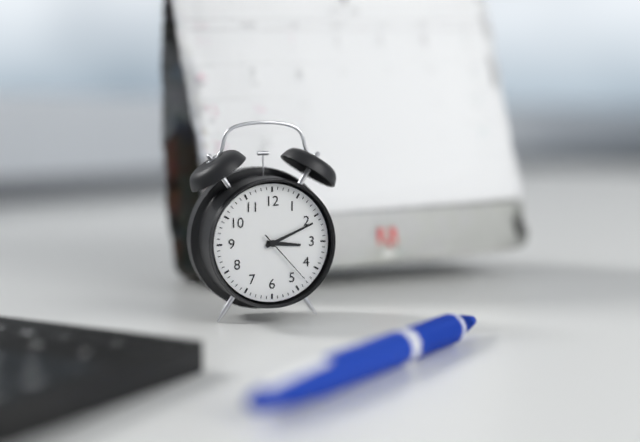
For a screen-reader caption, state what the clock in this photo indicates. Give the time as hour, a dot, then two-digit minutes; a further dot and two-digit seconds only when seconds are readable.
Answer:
3.11.23
